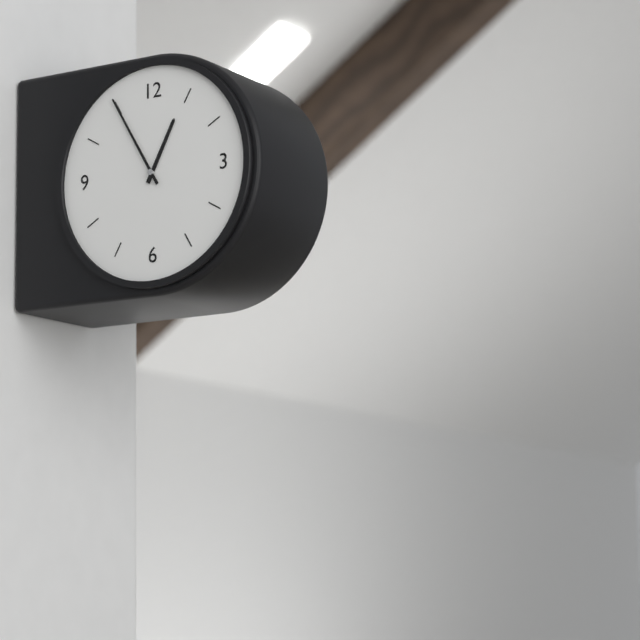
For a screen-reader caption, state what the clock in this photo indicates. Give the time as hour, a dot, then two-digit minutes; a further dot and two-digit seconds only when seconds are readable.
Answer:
12.55
